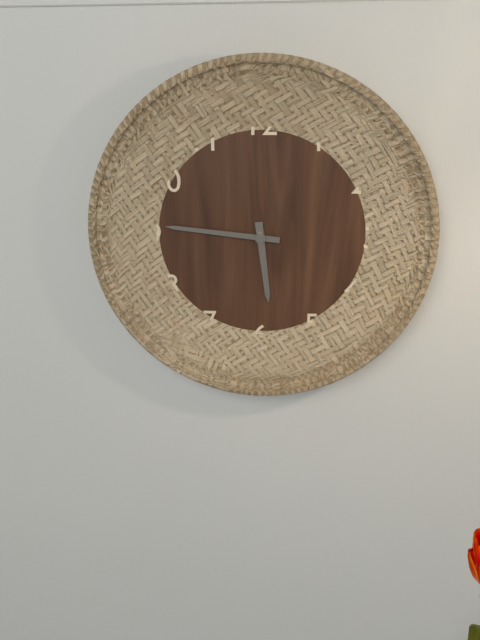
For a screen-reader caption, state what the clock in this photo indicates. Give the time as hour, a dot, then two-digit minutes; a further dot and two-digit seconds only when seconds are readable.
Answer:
5.46
